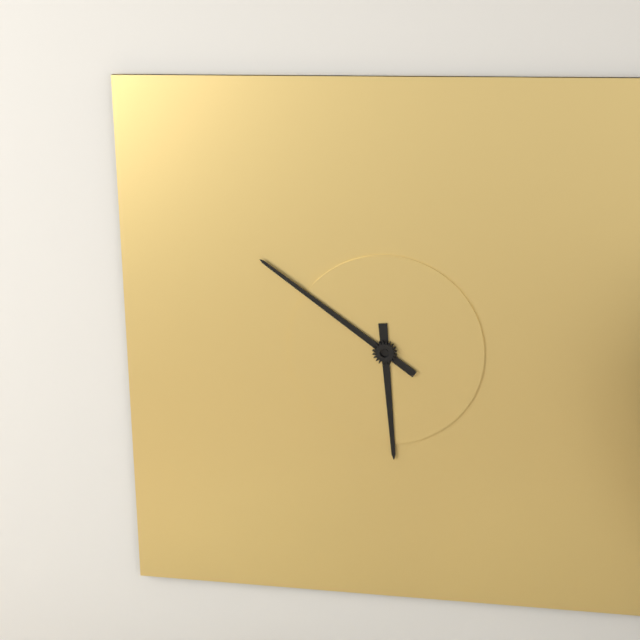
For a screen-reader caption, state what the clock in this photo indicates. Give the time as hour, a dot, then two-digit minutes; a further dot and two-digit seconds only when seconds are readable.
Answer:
5.51
